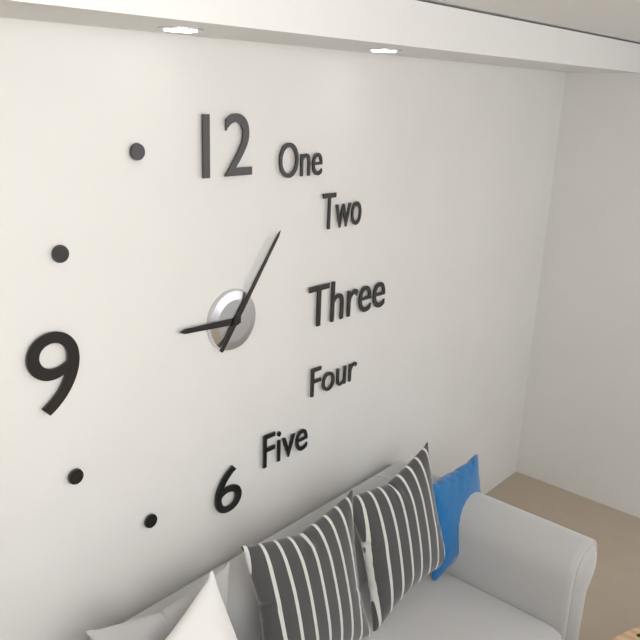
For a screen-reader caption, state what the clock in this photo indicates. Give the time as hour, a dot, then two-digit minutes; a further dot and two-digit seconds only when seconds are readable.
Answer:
9.06
